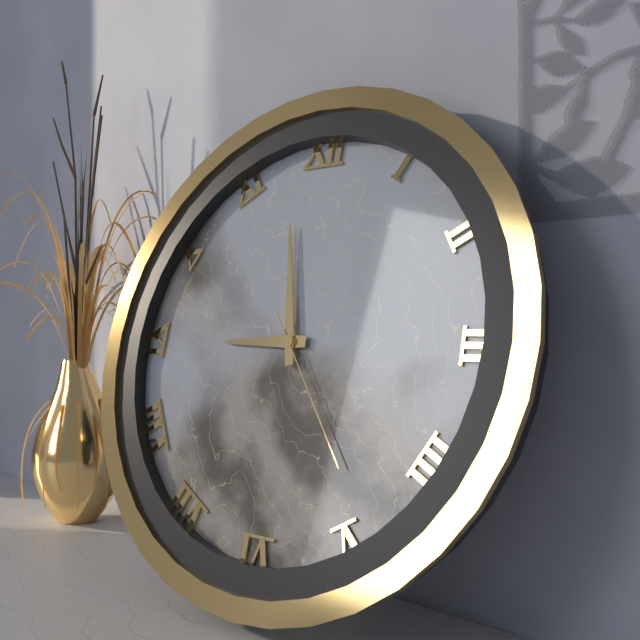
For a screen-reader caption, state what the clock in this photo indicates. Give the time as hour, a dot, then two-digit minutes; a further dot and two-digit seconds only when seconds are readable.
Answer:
8.58.24
